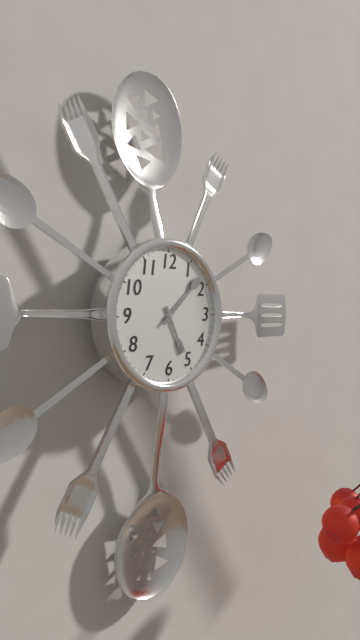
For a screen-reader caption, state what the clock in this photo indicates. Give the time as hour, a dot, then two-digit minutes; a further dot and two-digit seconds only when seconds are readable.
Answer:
5.08
